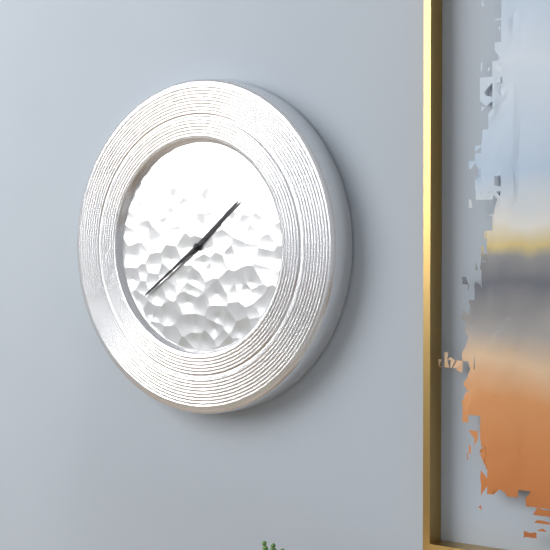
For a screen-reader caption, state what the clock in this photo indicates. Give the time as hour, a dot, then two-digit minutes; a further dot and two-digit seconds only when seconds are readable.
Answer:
1.39
